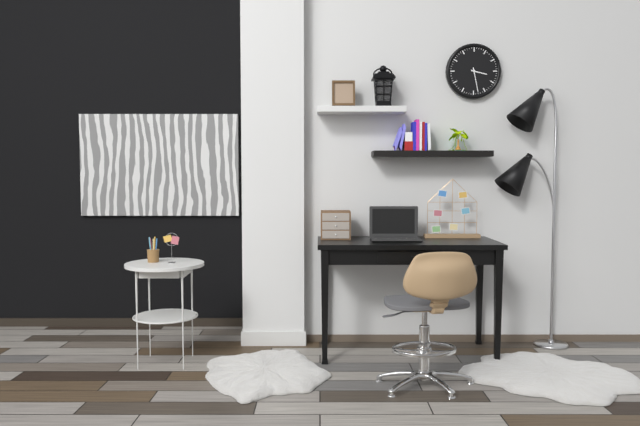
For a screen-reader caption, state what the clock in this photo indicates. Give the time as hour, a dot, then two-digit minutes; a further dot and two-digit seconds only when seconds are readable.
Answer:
3.28
